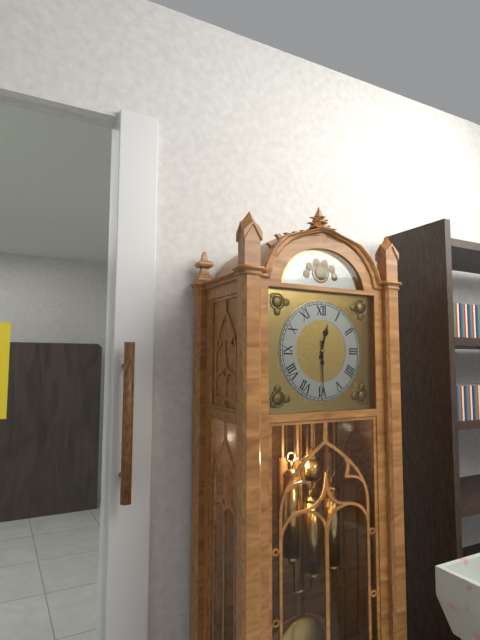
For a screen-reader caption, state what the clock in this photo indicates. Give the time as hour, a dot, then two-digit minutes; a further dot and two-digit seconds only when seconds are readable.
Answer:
12.30
